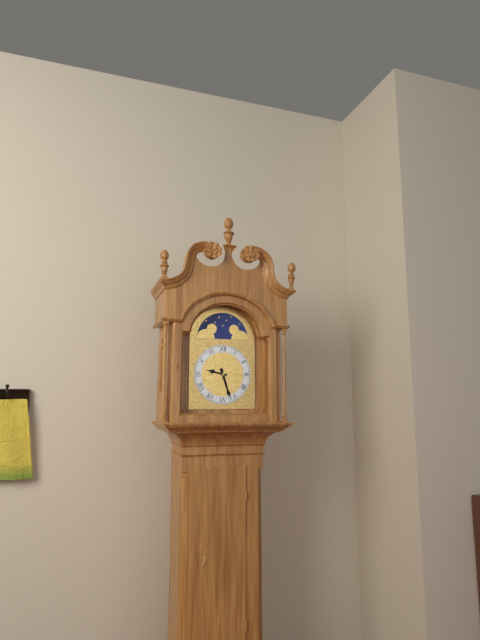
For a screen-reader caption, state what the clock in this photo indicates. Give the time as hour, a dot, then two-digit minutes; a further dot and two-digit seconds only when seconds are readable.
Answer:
9.27
